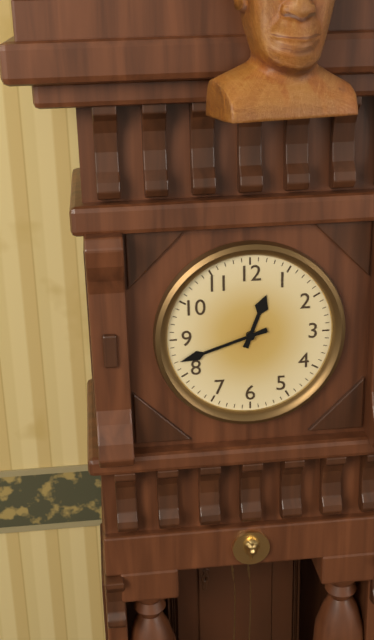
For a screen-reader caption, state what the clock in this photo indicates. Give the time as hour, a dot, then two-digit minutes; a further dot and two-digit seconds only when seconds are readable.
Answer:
12.42
